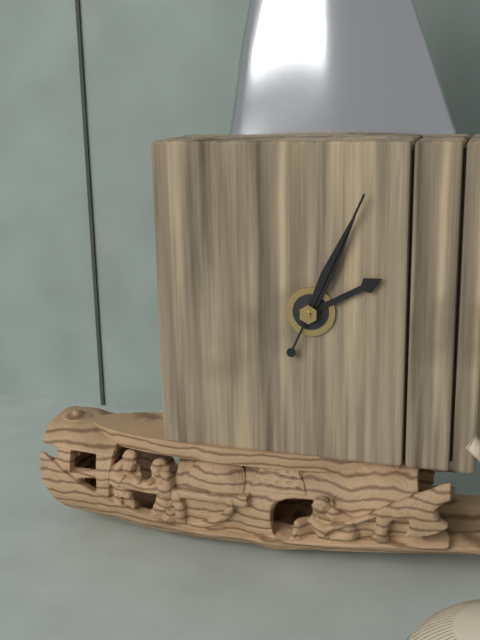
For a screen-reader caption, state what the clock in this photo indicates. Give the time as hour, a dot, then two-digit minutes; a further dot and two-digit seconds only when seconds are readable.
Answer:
2.04.04
